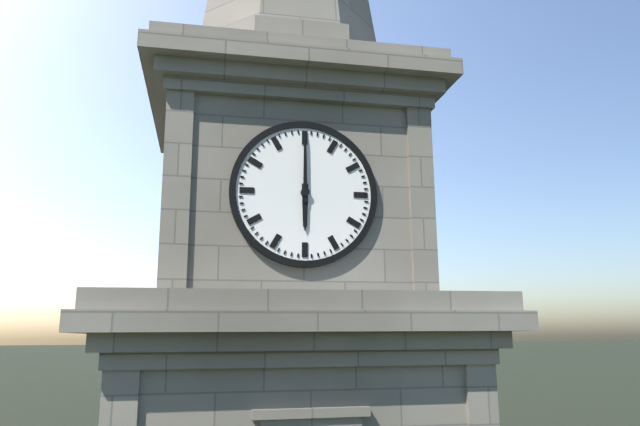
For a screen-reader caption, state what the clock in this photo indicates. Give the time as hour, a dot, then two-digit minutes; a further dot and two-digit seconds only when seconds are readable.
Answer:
6.00
